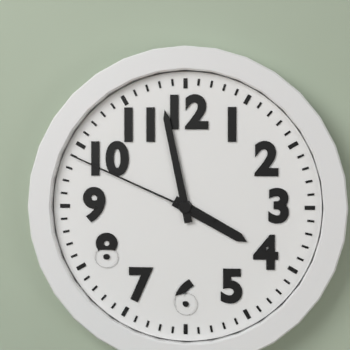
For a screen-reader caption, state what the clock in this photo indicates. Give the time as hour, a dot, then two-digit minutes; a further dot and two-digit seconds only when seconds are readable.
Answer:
3.58.49
